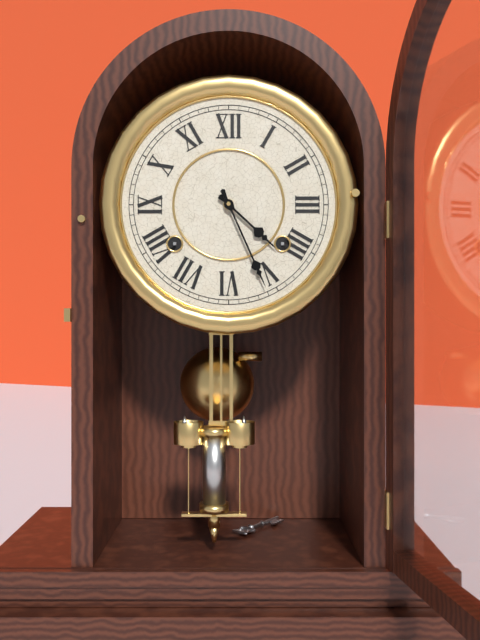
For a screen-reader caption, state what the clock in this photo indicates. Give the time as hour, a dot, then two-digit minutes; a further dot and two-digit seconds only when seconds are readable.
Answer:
4.26
